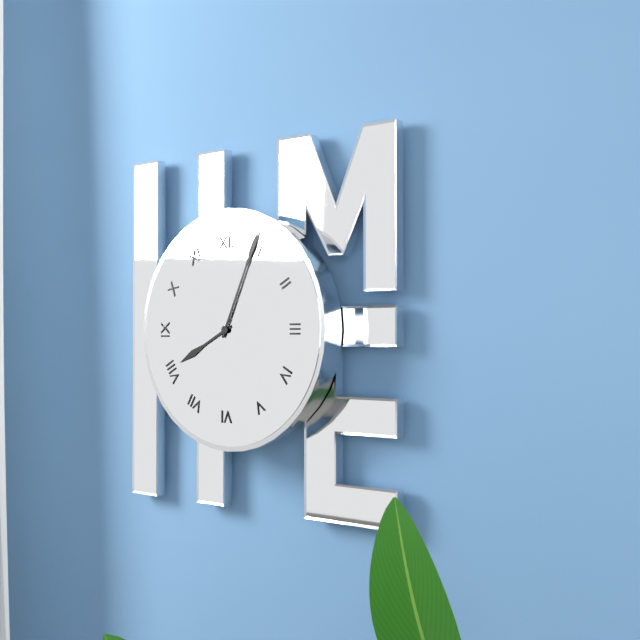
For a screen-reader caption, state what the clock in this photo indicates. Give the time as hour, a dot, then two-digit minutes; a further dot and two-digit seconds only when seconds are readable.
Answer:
8.04
